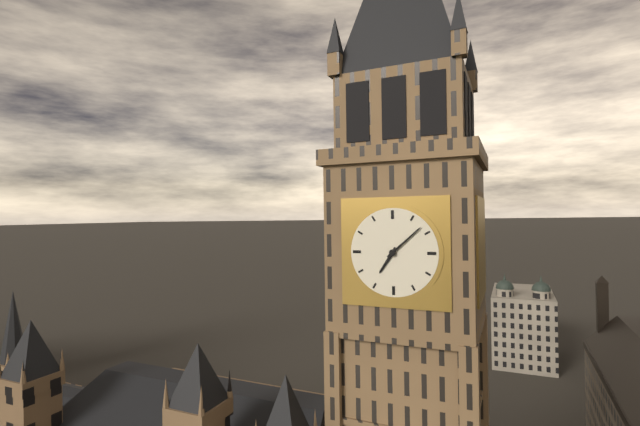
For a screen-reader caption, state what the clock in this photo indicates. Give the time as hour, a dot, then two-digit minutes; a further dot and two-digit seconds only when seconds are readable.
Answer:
7.08
